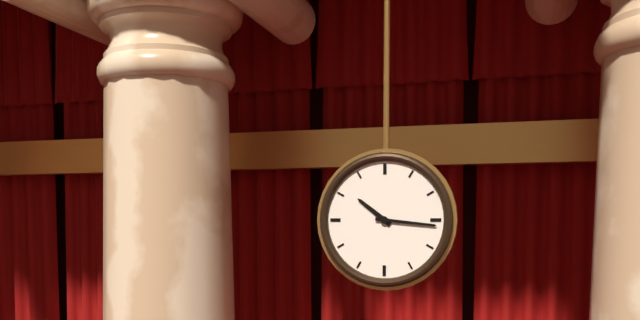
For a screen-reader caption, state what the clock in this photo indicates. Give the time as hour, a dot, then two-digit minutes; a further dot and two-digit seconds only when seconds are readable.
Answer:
10.16
